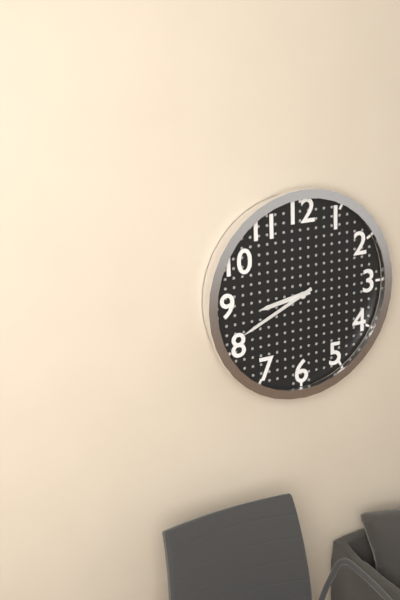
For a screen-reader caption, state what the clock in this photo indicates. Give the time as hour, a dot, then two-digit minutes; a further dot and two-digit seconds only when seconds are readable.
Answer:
8.41
